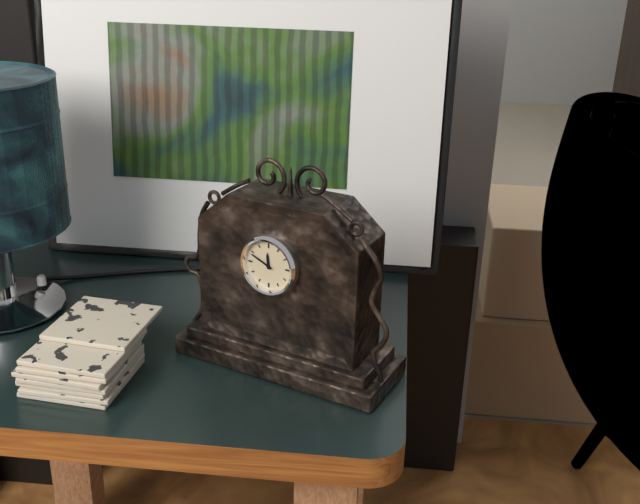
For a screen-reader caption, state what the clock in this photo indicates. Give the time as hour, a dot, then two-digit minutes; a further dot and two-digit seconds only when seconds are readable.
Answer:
11.49
